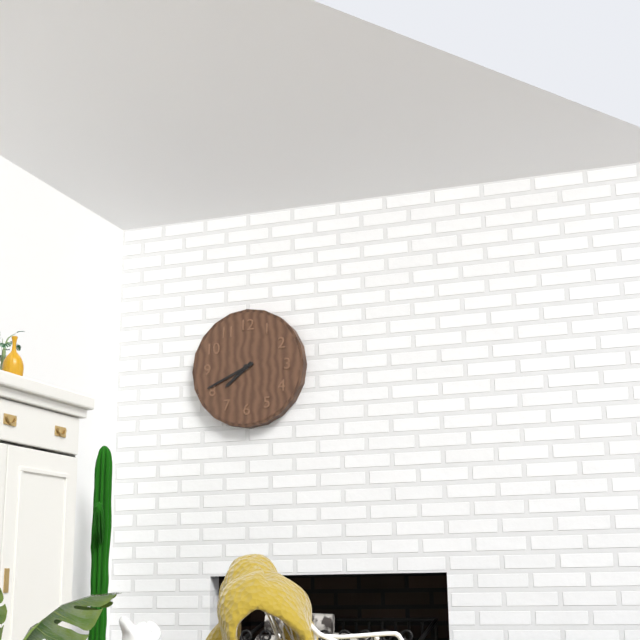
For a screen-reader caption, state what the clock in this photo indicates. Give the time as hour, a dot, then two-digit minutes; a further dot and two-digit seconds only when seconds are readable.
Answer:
7.41
